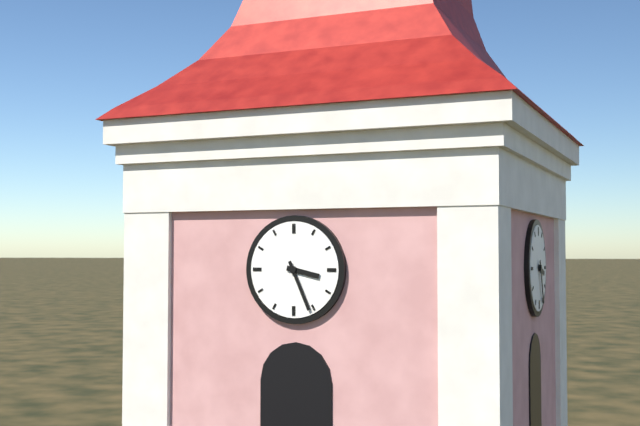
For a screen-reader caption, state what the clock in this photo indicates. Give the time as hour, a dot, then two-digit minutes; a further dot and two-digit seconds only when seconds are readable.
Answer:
3.26
